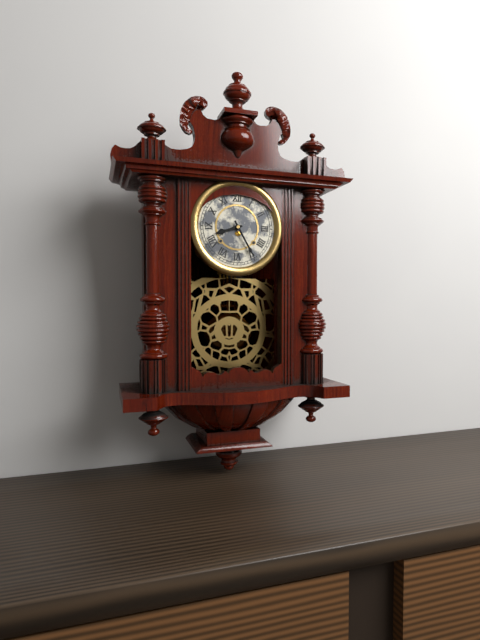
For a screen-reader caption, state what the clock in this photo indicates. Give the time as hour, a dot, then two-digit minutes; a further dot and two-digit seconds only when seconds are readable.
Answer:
8.25
